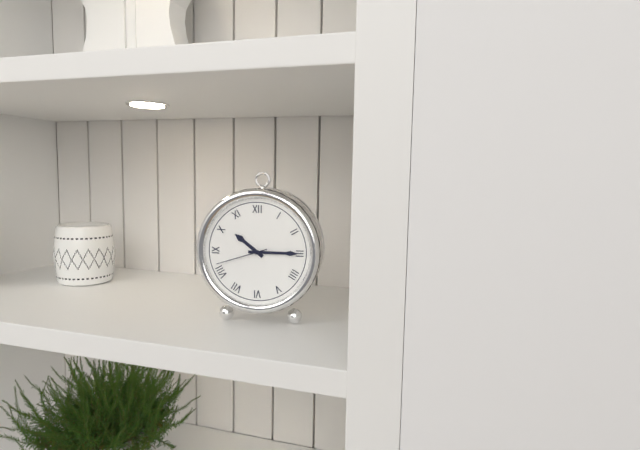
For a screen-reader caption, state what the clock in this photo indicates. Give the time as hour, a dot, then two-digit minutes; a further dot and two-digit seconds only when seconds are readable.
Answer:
10.15.42
